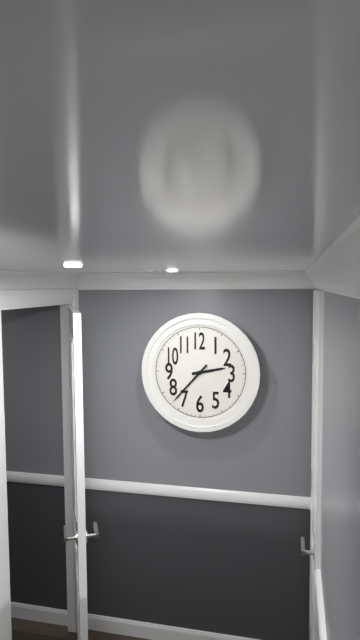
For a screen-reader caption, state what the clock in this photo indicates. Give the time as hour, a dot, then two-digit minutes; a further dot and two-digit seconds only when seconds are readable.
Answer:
2.37
